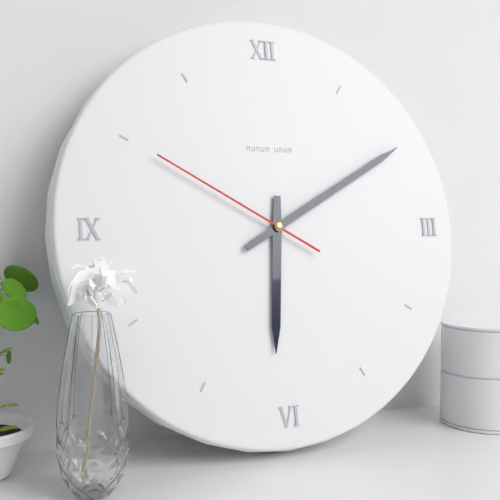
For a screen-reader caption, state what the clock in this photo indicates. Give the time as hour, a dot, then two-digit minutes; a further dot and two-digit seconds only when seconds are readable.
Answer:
6.10.50
